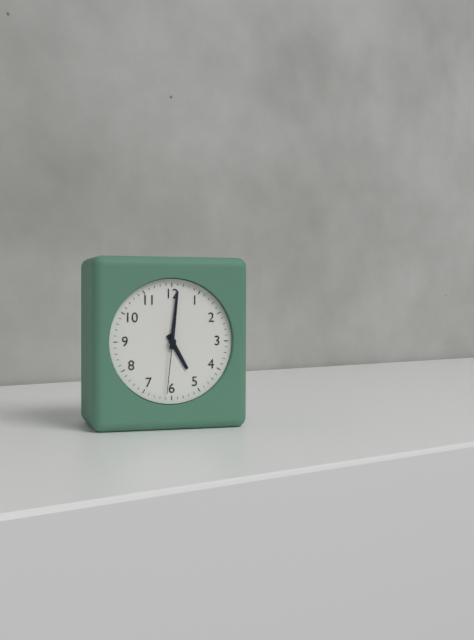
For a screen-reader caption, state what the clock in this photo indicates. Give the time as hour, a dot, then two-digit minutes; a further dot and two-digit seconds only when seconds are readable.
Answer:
5.01.31
